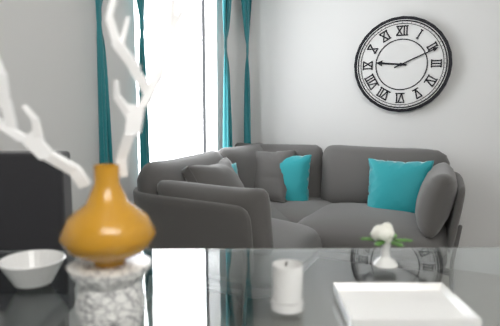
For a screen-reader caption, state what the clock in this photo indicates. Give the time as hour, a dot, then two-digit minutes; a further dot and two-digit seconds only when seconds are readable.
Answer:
9.11
